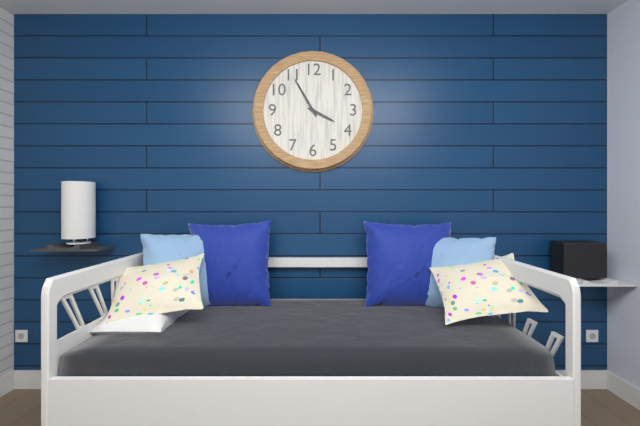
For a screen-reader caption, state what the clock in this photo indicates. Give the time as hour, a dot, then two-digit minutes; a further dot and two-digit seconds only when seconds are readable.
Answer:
3.55
